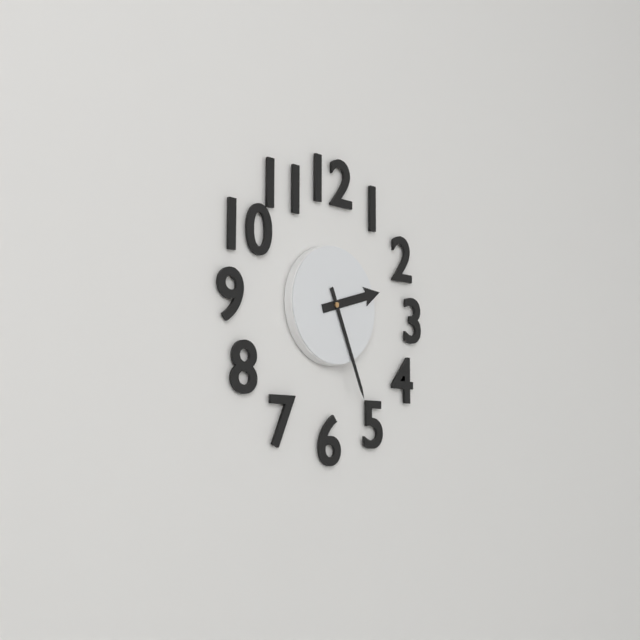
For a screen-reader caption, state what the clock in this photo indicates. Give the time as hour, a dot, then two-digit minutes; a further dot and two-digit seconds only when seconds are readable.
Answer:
2.26
